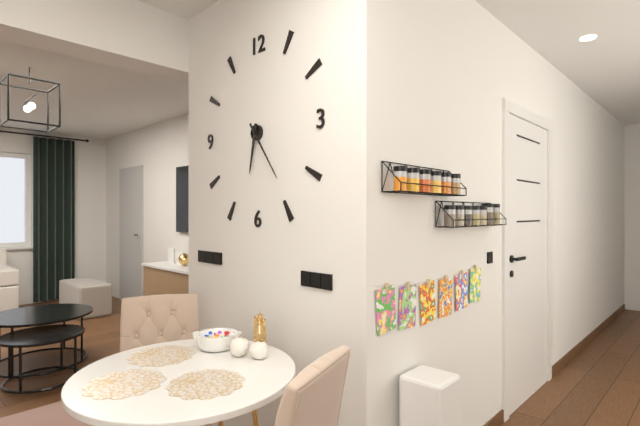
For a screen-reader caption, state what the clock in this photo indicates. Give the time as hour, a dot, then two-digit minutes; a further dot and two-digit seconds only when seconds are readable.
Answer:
6.24
